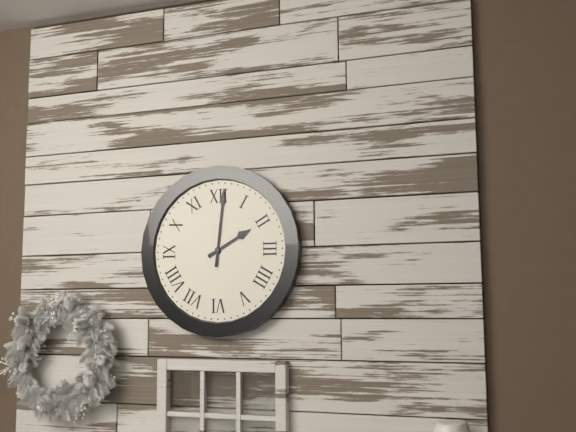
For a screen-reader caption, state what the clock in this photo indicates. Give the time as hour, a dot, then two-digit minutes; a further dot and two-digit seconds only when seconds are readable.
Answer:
2.01
